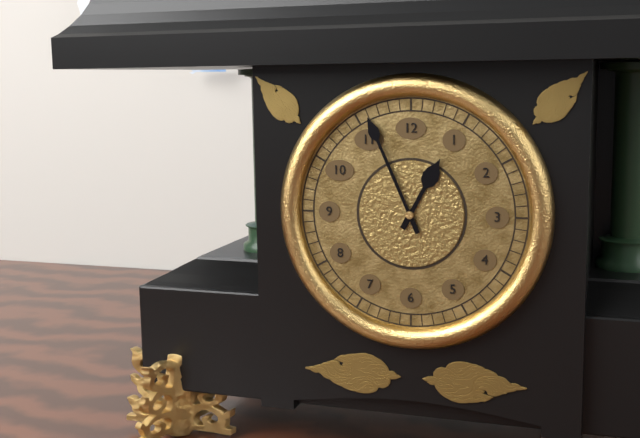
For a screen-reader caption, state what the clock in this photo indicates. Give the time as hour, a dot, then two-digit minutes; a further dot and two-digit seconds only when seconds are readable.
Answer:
12.56
